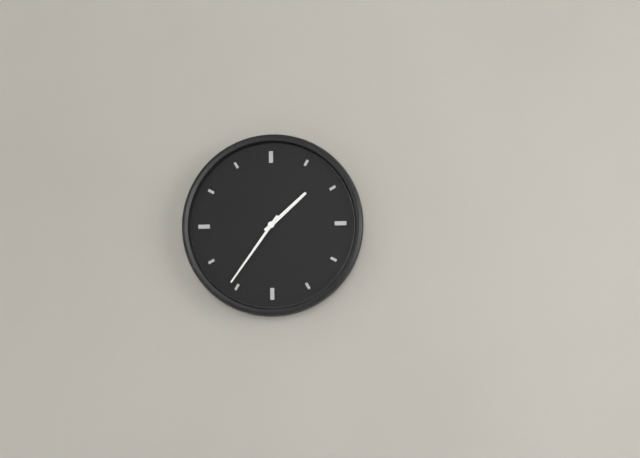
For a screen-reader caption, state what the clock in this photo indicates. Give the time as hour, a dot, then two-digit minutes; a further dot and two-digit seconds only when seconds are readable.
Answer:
1.36
